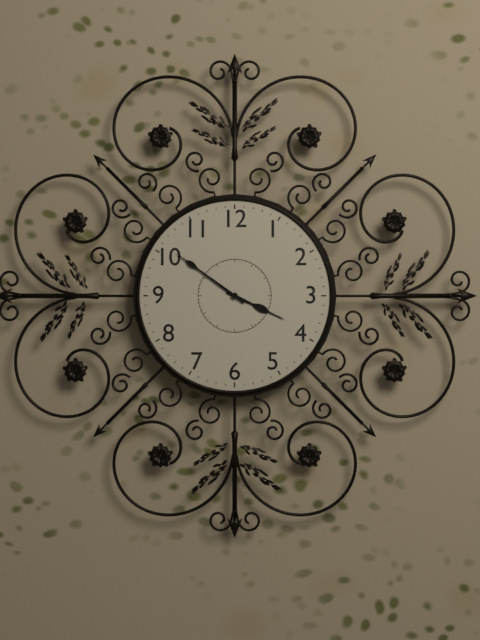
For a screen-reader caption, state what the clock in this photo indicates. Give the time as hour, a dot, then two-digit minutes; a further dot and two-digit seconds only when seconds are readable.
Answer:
3.51
